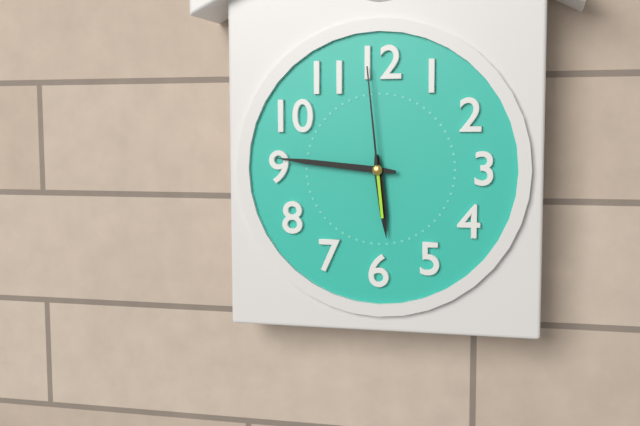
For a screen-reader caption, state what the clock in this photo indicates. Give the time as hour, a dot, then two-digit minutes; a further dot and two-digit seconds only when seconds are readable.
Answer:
5.46.59
